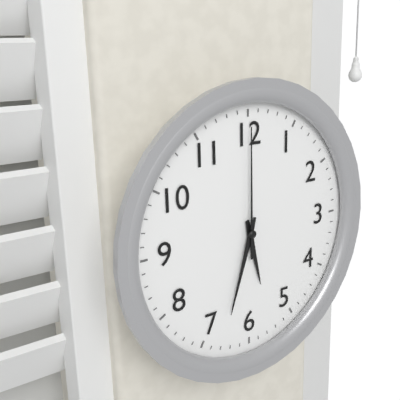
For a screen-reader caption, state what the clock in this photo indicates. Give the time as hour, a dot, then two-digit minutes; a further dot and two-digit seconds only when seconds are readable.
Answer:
5.33.00
